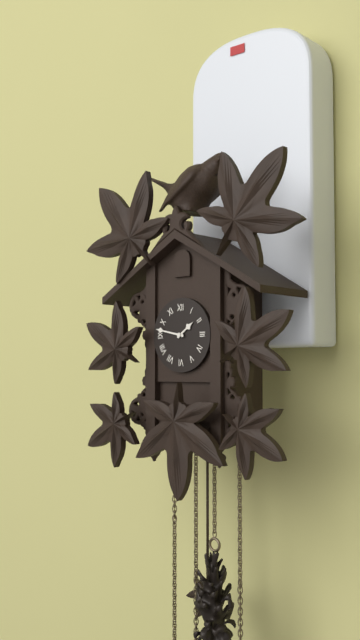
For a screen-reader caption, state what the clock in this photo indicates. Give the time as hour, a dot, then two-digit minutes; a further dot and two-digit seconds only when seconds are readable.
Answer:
1.47
